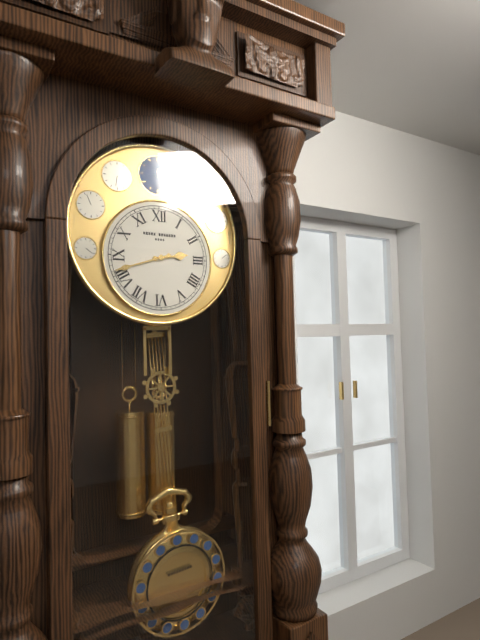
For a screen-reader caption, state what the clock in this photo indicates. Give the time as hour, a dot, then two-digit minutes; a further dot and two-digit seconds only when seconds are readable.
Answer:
2.42
